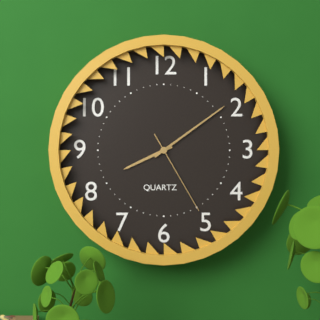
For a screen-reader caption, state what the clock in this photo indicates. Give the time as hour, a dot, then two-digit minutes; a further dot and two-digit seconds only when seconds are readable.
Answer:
8.09.25
